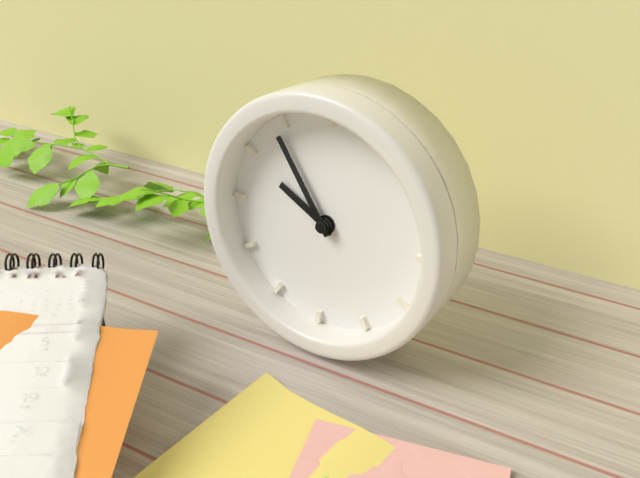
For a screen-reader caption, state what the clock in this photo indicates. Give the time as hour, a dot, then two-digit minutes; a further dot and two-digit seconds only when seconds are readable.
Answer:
9.54
